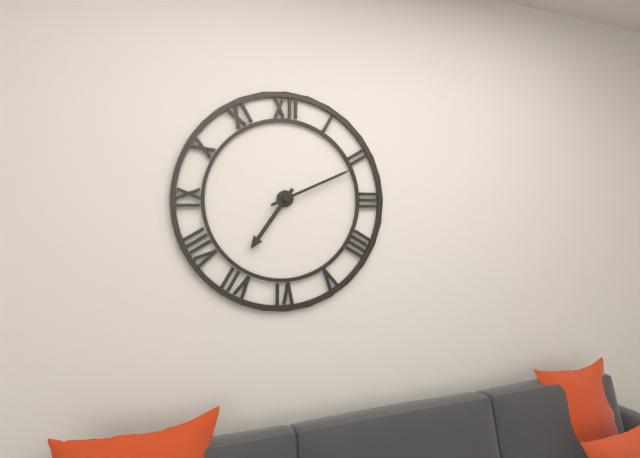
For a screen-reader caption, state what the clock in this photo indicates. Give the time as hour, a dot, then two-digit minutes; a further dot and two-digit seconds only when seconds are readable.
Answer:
7.11
